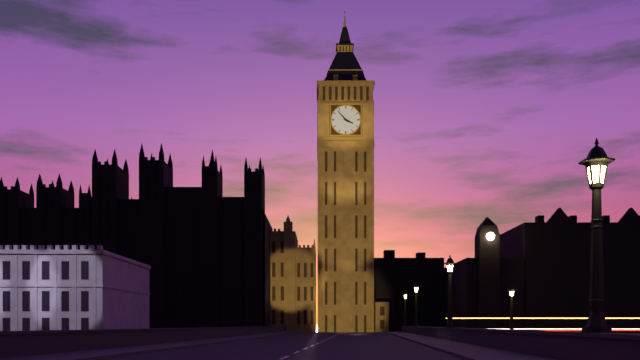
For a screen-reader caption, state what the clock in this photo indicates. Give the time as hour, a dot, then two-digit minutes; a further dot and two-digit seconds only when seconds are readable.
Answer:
3.53
